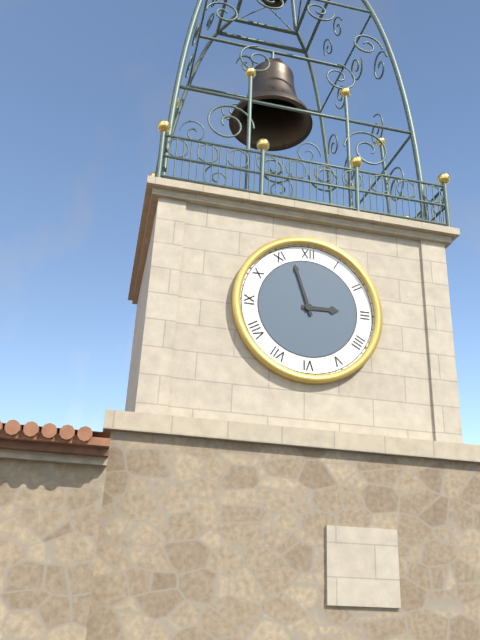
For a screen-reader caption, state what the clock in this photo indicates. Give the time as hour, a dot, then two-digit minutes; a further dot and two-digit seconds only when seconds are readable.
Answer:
2.57
